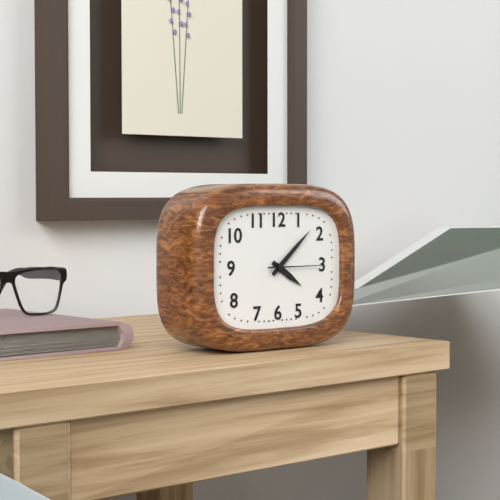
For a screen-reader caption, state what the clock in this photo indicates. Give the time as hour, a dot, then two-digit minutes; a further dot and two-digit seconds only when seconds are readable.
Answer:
4.08.15
